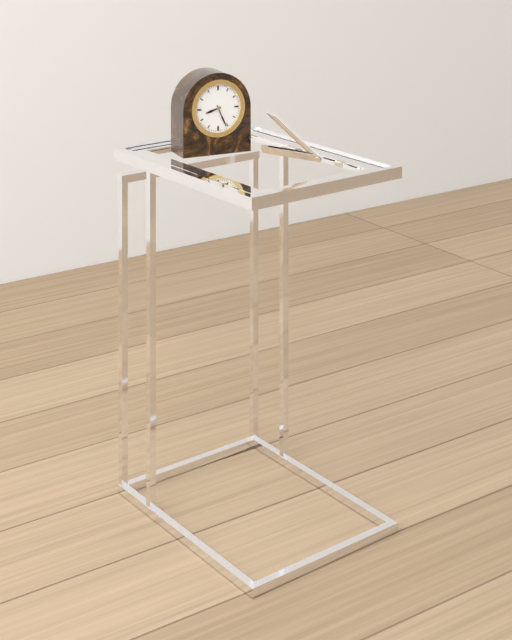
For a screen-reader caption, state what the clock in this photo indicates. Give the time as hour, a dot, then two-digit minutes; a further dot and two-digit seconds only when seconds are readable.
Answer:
8.26
